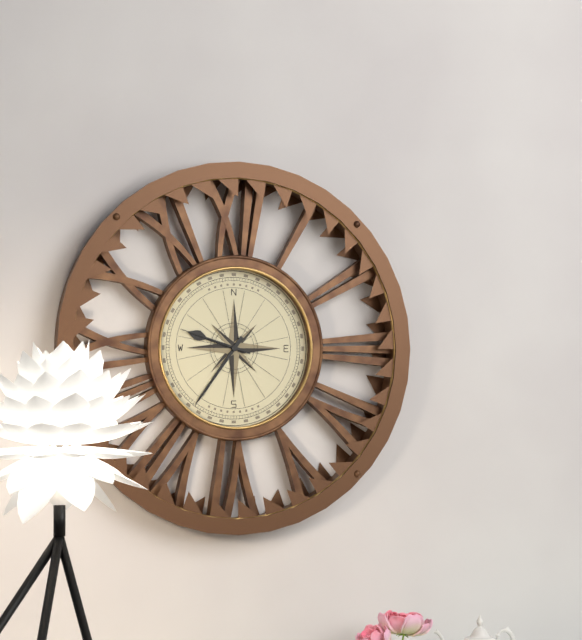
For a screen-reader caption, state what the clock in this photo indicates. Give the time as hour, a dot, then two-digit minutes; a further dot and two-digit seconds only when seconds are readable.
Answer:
9.36.48
